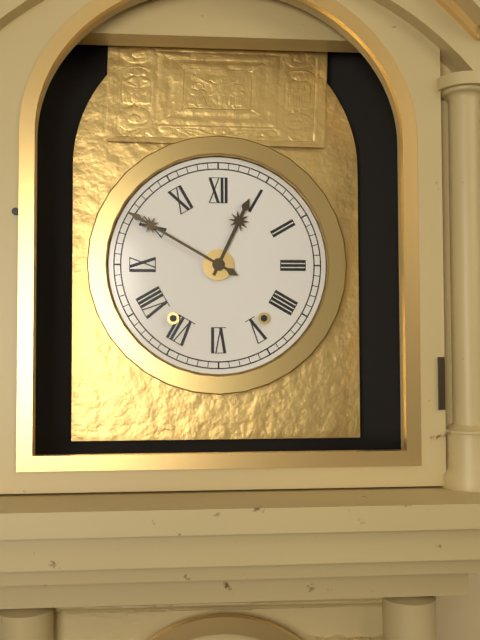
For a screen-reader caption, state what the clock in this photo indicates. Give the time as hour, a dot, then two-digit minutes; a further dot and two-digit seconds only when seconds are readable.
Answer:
12.50
